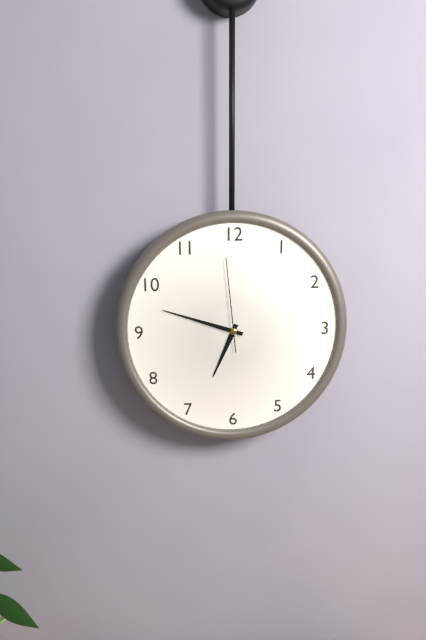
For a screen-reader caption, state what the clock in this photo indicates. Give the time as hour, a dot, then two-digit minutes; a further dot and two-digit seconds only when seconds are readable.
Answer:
6.48.59
